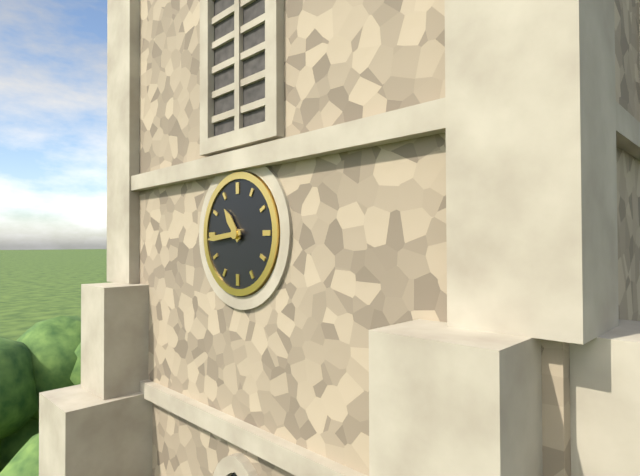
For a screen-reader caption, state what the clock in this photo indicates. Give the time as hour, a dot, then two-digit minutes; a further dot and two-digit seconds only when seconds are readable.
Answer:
10.44
